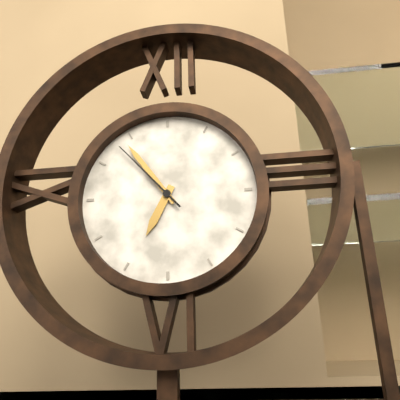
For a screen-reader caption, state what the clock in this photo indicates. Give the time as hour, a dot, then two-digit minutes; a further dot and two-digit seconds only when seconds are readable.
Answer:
6.54.53
